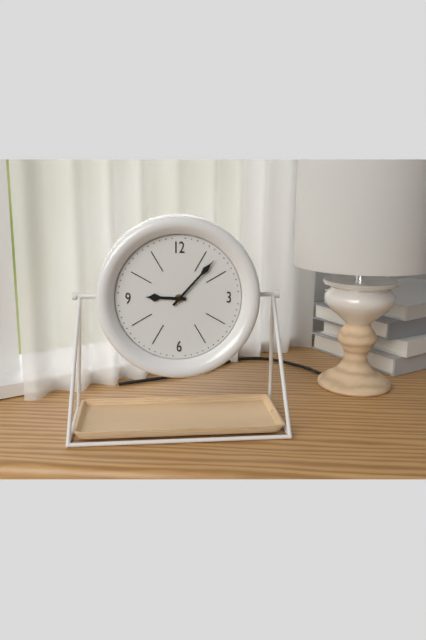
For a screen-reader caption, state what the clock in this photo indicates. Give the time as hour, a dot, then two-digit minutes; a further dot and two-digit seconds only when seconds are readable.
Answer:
9.07
